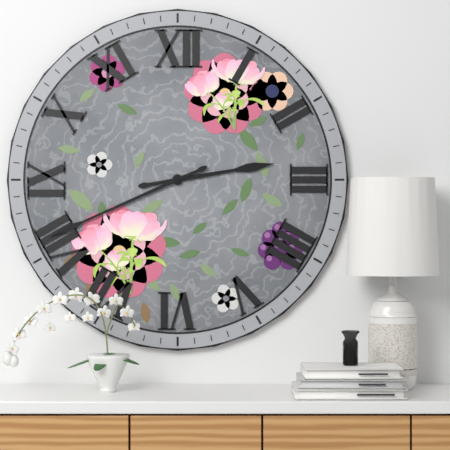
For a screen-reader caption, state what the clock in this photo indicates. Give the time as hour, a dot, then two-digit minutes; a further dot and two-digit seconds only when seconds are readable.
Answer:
2.41
